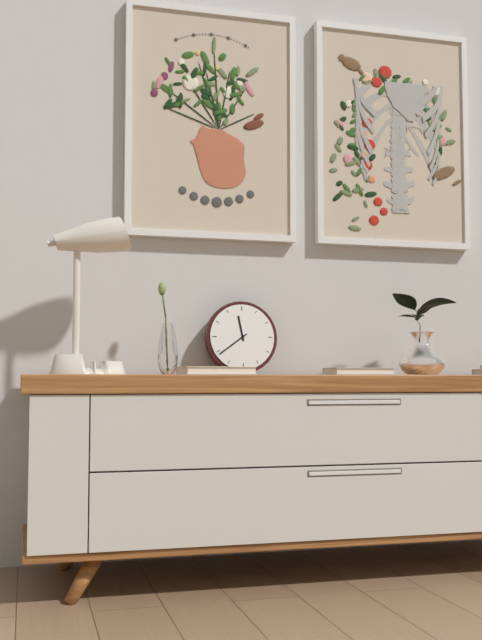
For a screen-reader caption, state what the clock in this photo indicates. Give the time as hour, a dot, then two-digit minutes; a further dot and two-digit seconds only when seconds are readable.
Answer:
11.39
